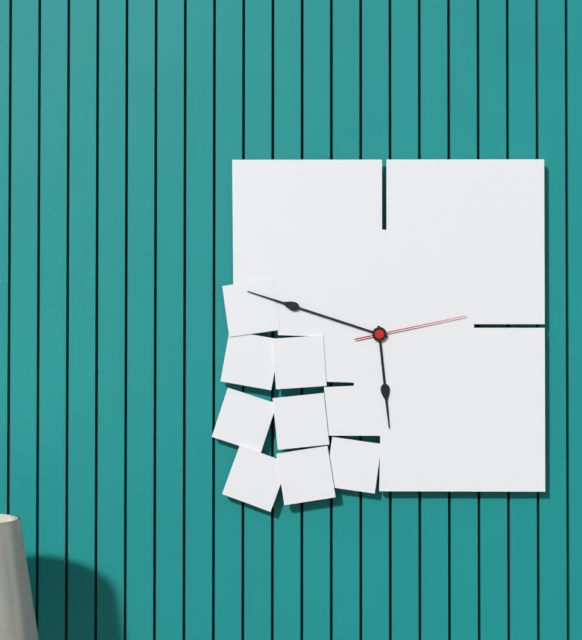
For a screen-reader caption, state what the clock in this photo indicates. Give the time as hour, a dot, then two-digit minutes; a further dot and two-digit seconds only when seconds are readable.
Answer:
5.48.13
